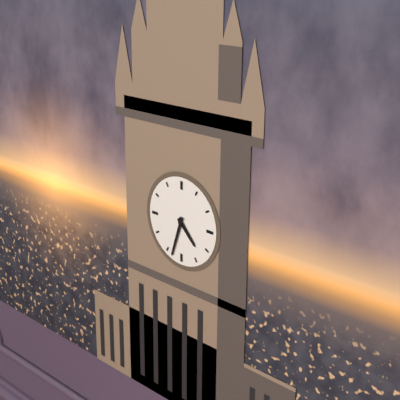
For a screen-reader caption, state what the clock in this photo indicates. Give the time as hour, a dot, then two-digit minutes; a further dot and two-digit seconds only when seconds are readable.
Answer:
4.33
